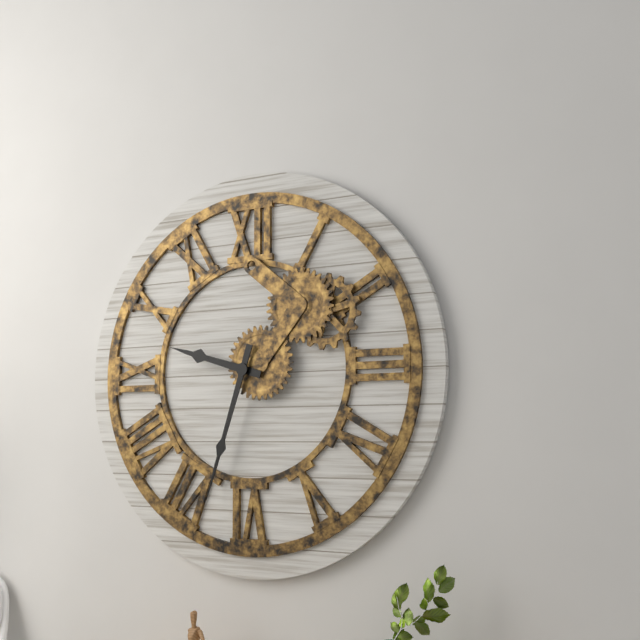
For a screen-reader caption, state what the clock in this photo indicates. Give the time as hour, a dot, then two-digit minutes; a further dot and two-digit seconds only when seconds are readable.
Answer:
9.33
